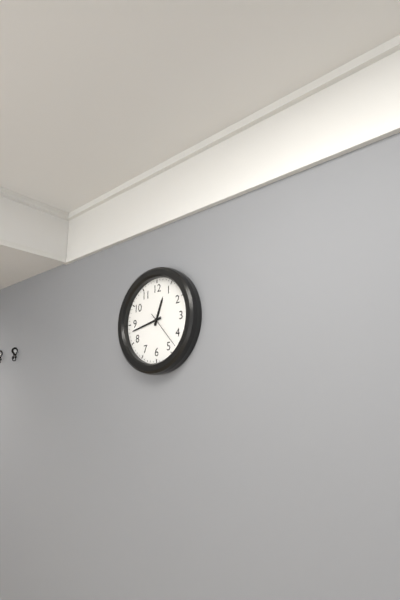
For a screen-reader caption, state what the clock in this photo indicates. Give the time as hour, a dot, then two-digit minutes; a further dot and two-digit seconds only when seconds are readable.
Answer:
12.43
